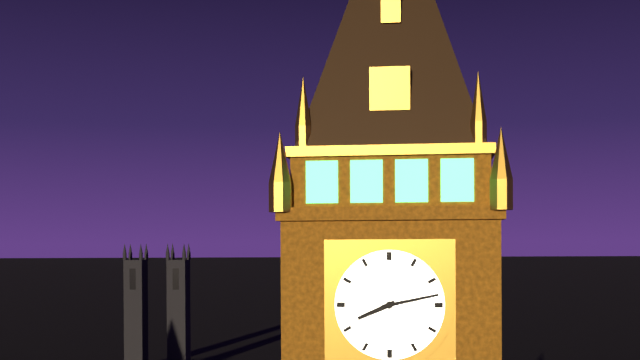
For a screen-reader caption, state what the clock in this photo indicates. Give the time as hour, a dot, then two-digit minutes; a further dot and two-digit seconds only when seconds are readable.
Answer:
8.13
